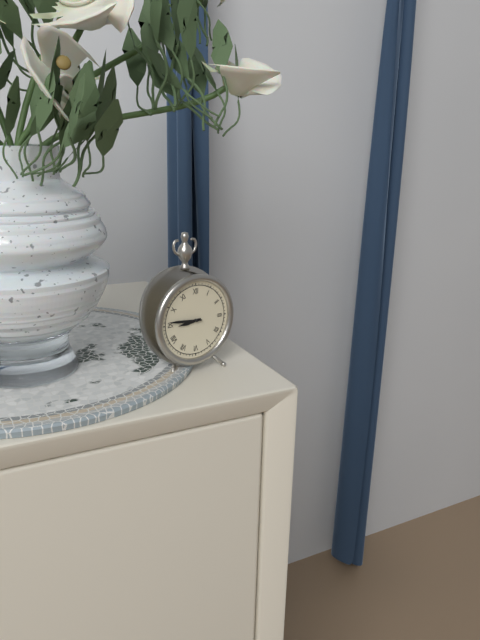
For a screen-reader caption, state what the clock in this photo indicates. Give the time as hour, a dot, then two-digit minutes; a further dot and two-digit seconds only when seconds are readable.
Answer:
8.46
